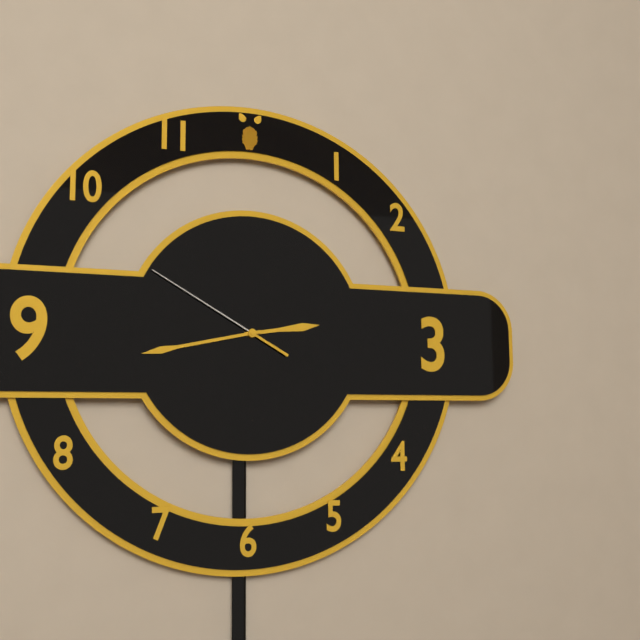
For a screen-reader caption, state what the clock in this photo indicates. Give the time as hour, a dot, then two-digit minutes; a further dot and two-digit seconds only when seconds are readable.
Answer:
2.43.50
